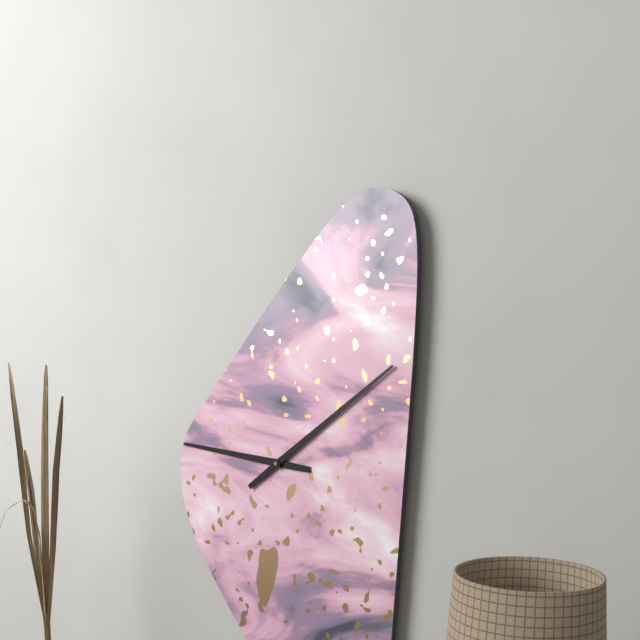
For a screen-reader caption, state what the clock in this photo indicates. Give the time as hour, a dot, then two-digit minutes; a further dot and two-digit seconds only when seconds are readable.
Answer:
9.09
